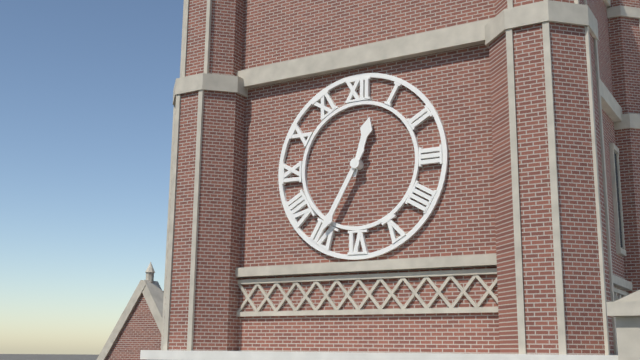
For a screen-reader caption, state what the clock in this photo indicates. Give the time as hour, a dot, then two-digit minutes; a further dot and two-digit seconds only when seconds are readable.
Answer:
12.35
